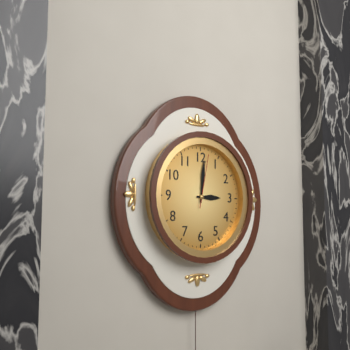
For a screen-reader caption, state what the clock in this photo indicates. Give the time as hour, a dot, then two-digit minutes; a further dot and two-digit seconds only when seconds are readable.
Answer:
3.01.02
